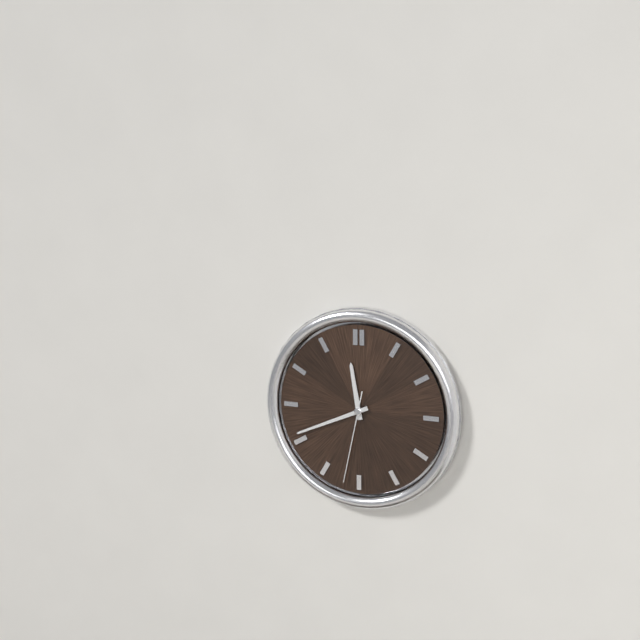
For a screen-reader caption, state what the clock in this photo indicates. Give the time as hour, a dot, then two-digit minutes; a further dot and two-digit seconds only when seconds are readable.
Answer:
11.41.32
